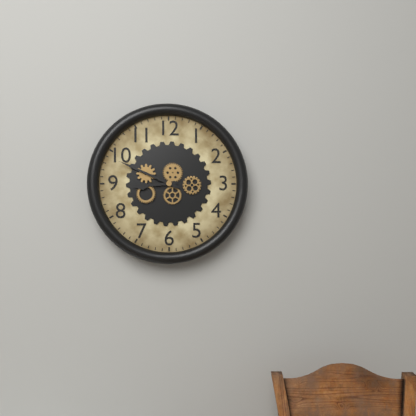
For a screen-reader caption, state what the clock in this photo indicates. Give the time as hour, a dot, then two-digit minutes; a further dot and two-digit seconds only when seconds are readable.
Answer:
8.49
